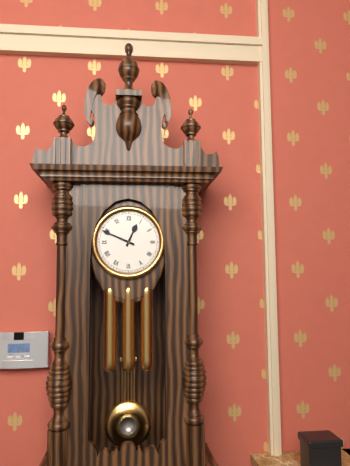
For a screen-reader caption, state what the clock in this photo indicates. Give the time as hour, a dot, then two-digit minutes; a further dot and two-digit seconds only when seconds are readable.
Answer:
12.49
